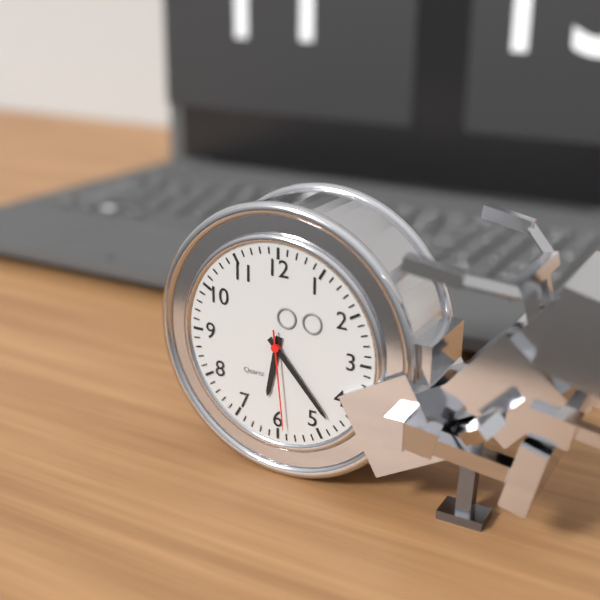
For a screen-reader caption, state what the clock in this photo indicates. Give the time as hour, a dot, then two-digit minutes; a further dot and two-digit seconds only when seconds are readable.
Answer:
6.23.29
